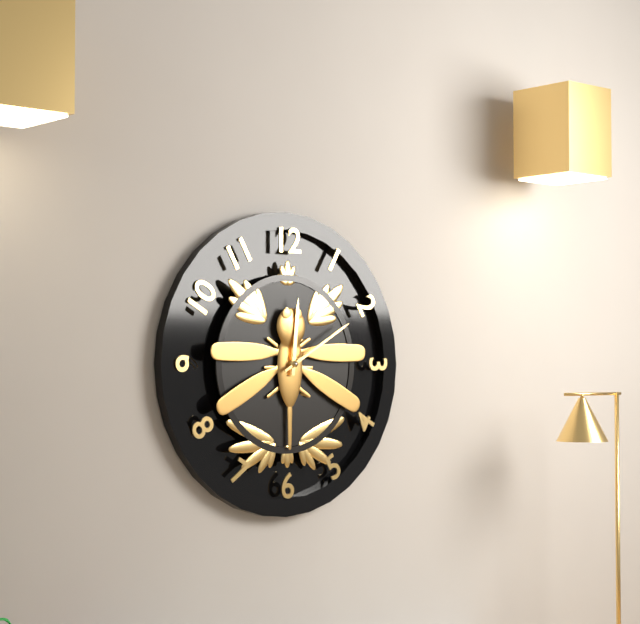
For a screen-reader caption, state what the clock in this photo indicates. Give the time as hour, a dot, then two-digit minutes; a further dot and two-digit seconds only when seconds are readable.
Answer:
12.10
